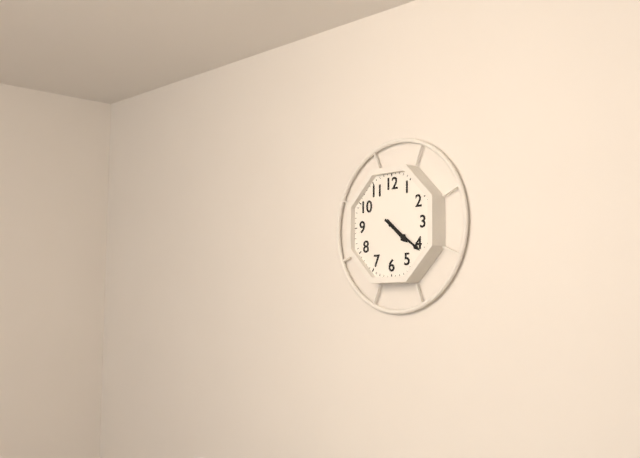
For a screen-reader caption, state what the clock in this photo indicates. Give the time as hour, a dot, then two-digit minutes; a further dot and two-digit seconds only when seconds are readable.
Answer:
4.21
